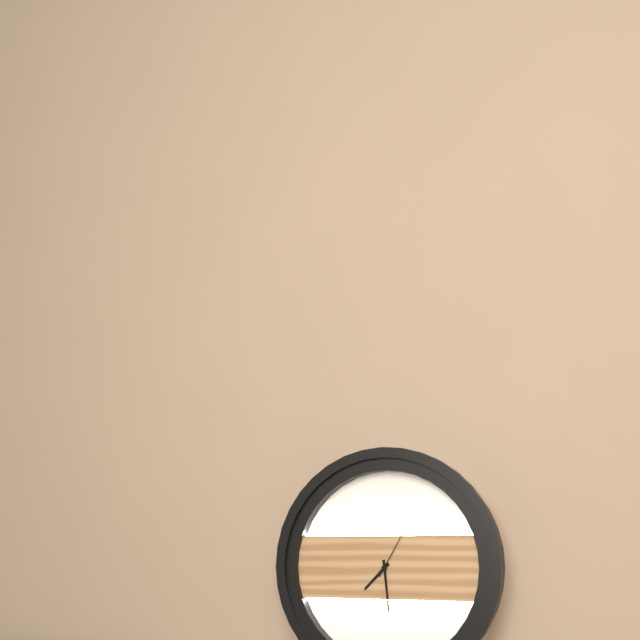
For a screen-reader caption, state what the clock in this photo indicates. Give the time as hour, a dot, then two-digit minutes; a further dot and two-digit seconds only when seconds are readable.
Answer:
7.29.05
